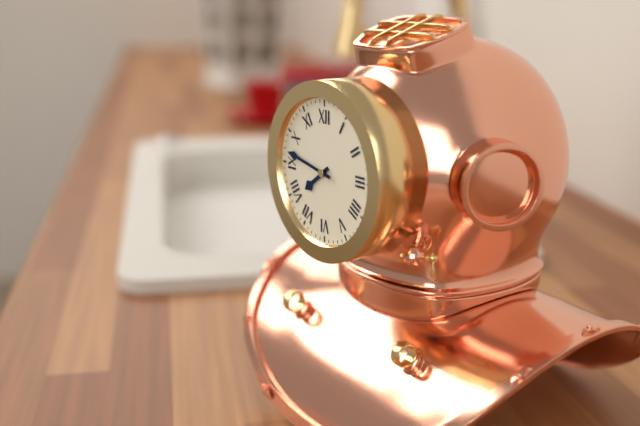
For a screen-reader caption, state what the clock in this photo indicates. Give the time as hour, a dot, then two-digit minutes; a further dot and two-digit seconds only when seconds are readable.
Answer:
7.47
